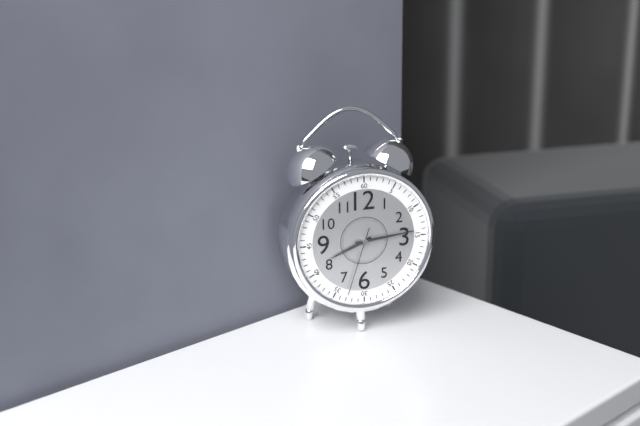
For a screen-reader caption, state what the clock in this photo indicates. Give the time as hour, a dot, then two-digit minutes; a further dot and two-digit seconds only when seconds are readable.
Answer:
8.14.33
